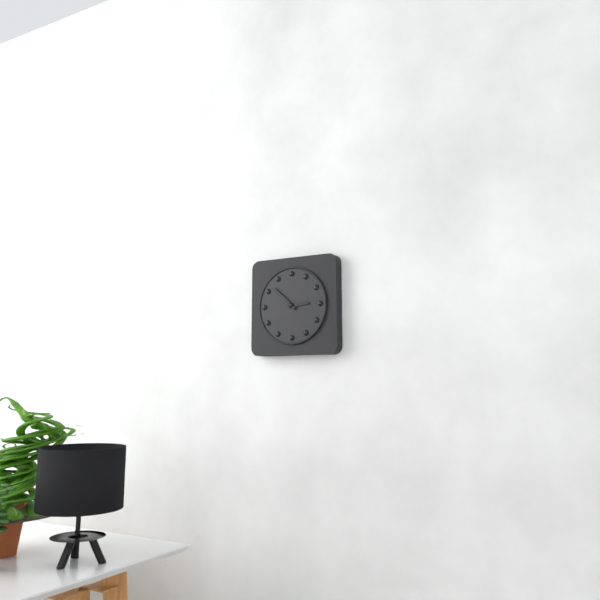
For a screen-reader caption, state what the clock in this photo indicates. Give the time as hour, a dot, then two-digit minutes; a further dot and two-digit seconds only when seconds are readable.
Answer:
2.52
